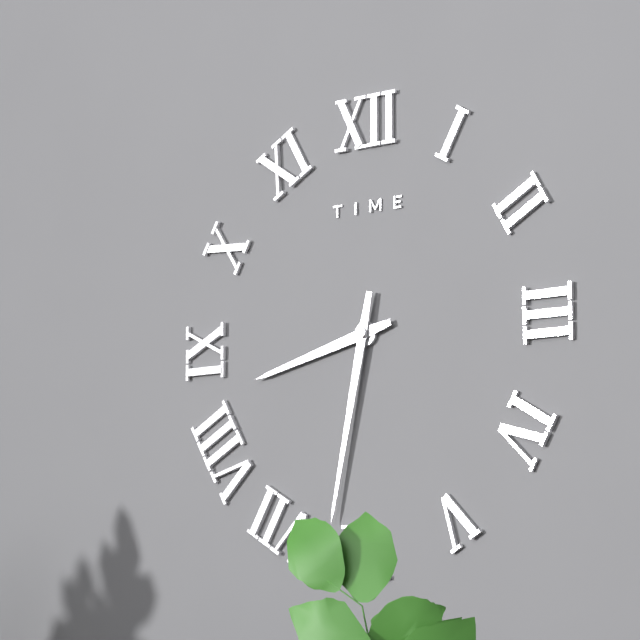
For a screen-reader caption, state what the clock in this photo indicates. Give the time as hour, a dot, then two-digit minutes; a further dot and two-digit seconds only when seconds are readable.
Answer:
8.32
